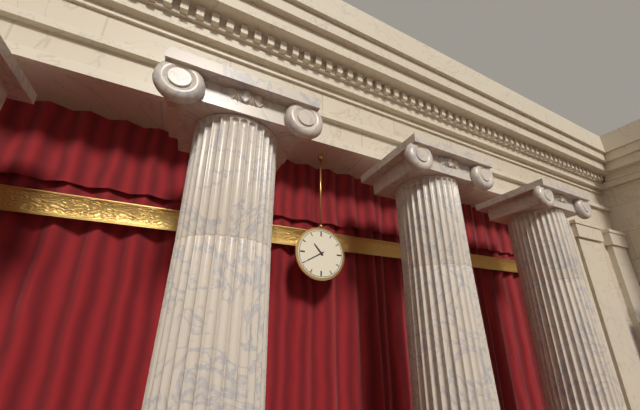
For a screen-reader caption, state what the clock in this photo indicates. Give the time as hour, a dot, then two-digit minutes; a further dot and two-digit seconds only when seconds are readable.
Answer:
10.40
